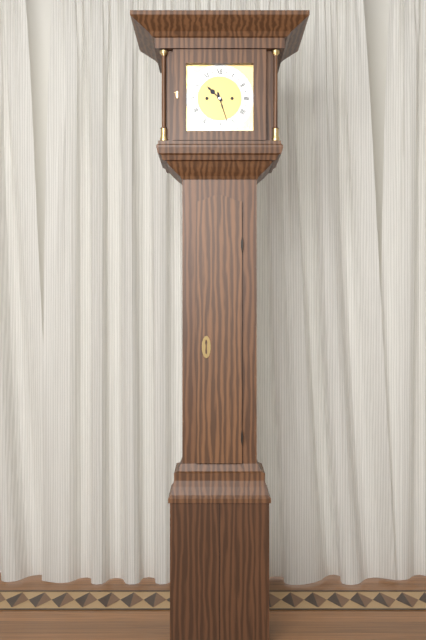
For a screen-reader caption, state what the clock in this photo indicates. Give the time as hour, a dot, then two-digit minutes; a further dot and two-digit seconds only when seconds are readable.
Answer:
10.27
